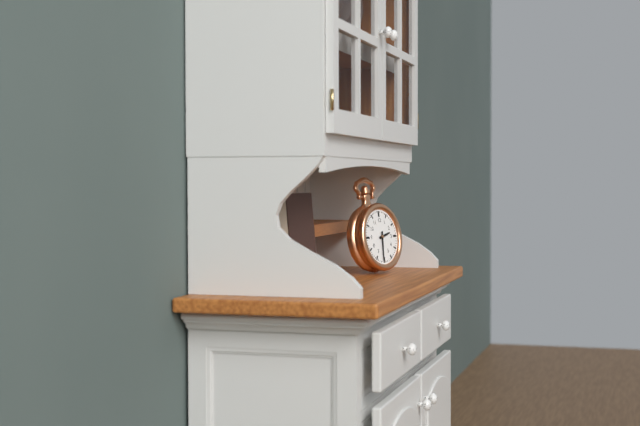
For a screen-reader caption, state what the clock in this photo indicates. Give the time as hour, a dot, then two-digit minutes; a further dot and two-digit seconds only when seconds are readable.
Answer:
2.31
